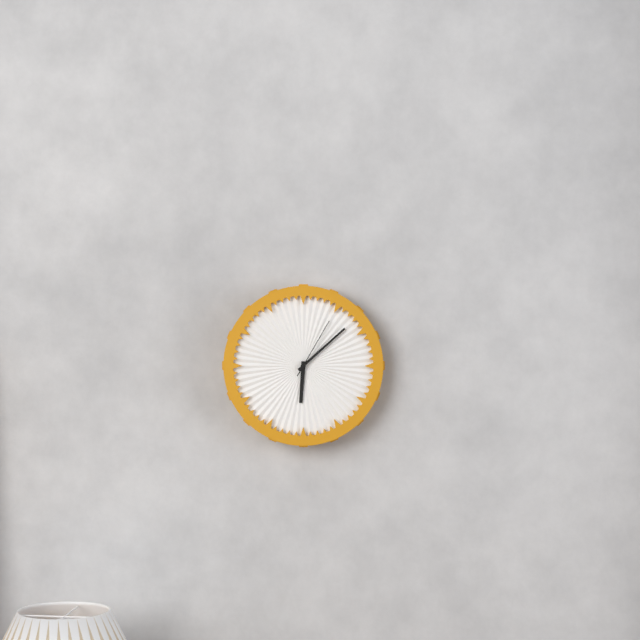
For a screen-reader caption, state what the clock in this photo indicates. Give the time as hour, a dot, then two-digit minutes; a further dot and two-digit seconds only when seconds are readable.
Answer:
6.08.05
